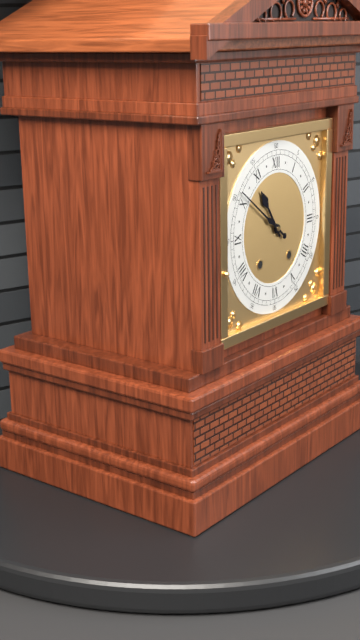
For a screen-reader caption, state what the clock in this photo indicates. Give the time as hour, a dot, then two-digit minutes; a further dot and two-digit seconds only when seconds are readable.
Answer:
10.51
